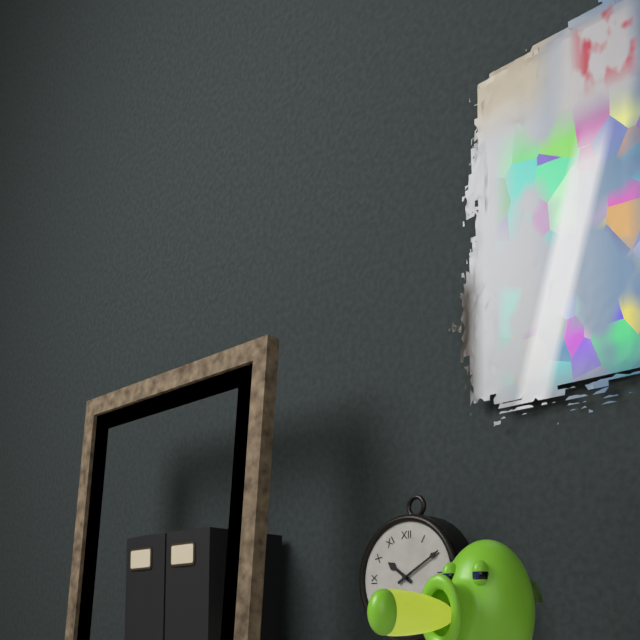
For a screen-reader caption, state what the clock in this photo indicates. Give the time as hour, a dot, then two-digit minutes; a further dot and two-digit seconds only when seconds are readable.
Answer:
10.10
